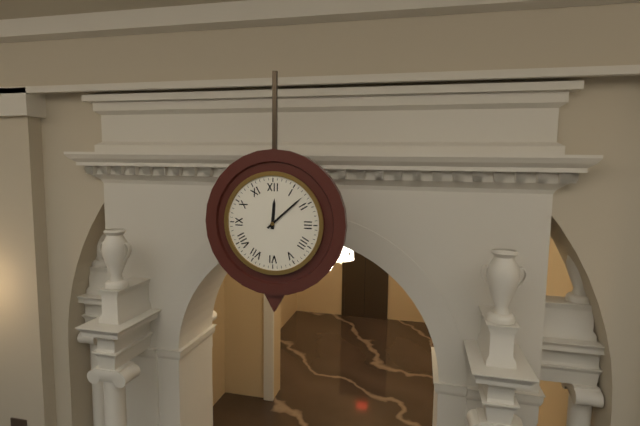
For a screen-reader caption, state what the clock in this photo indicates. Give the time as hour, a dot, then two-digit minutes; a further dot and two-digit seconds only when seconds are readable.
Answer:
12.08
